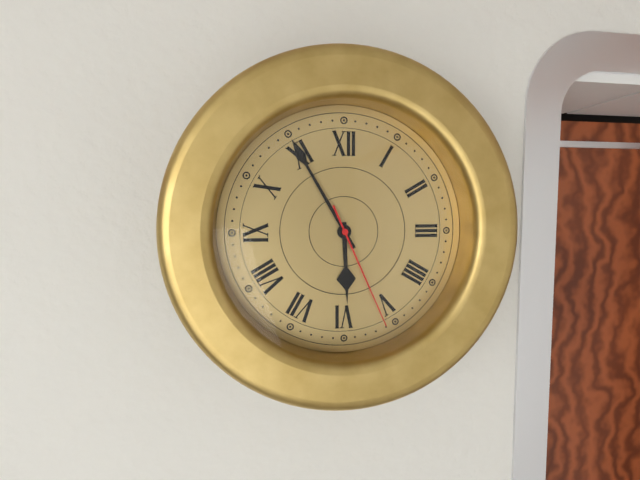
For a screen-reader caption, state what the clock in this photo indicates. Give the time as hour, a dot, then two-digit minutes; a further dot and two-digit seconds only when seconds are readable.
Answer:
5.55.26
